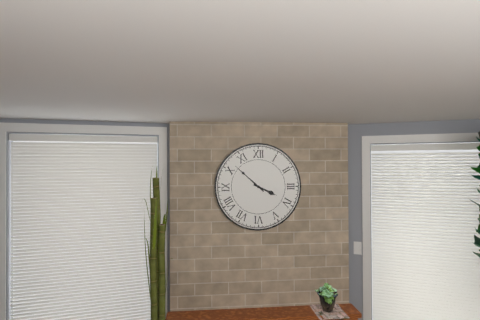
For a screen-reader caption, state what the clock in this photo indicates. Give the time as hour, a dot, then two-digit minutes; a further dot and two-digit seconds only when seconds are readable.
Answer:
3.52
